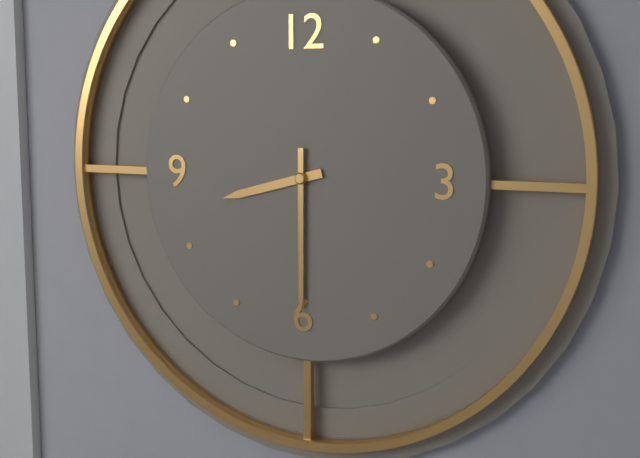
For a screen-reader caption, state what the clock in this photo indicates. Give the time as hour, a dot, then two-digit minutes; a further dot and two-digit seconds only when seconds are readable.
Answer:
8.30
